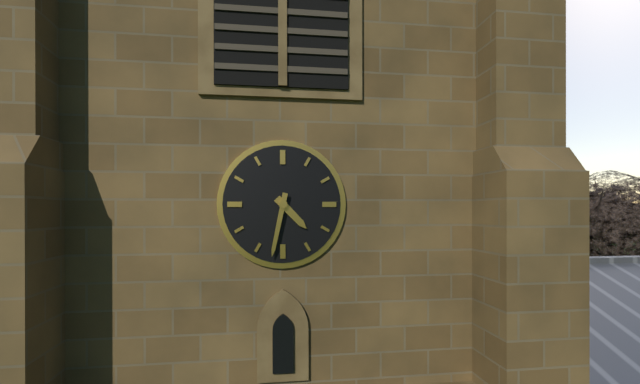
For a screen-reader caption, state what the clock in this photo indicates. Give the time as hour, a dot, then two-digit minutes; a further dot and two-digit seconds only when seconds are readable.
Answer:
4.32
